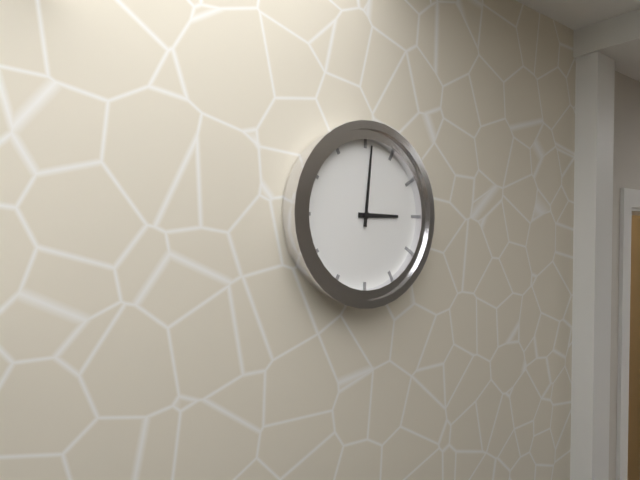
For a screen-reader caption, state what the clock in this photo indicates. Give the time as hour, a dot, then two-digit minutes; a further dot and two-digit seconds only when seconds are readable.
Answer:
3.01
